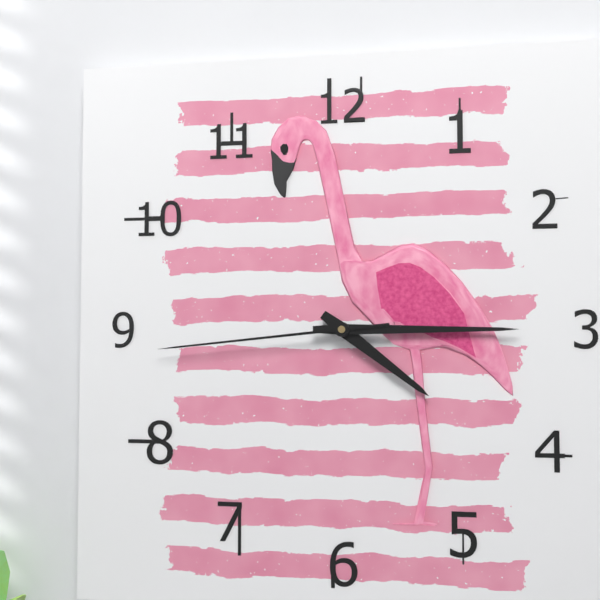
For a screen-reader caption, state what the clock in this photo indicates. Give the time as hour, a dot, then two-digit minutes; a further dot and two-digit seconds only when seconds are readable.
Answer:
4.15.44
